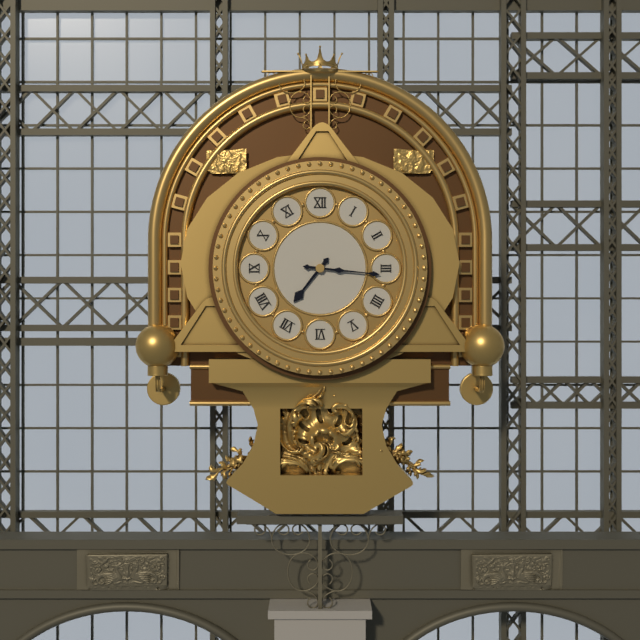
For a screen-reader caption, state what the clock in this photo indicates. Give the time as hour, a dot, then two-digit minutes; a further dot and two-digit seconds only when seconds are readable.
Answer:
7.16
